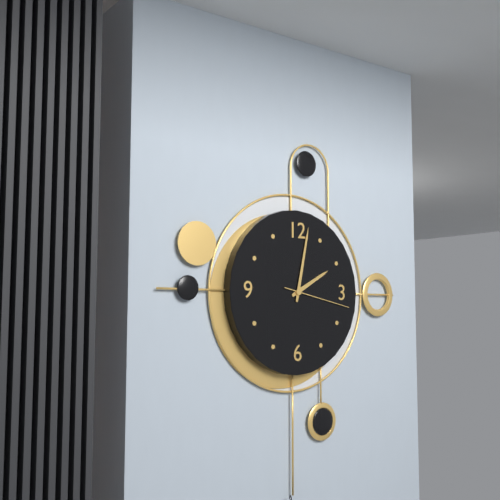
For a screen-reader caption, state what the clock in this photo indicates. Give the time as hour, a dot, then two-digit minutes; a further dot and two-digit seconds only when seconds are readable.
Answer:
2.02.17
